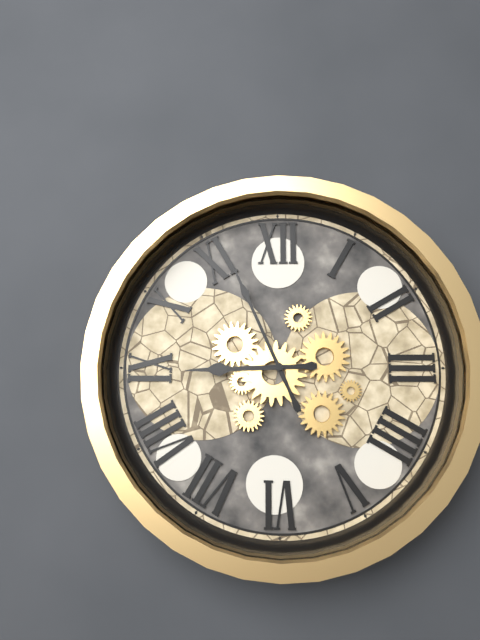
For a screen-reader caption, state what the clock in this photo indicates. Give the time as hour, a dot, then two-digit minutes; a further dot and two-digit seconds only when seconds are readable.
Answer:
8.56
